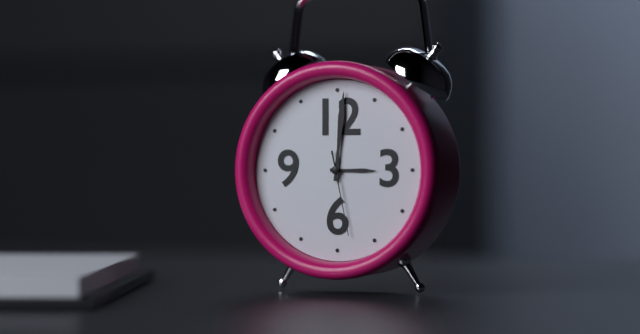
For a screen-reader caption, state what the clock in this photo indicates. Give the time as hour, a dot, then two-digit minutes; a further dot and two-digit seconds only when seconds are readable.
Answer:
3.01.28
